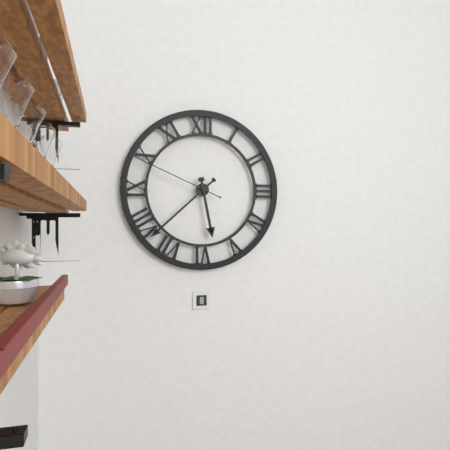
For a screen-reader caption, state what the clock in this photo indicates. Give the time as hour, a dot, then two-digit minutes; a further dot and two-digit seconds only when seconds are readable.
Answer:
5.38.49
